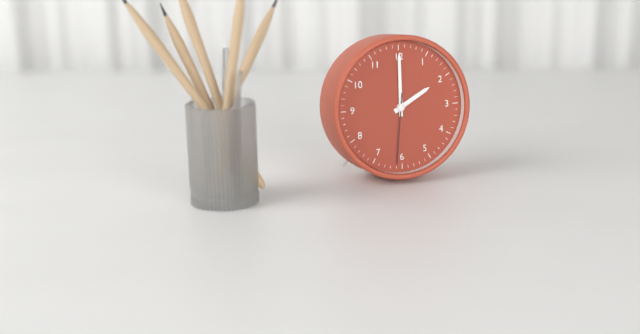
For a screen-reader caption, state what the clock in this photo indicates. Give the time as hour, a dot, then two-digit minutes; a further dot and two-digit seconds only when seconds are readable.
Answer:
2.00.31
